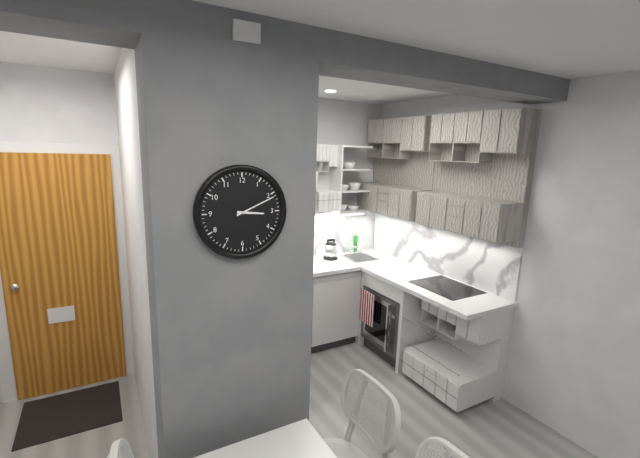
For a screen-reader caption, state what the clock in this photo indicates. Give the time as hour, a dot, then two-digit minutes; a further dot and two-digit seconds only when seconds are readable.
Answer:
3.11
